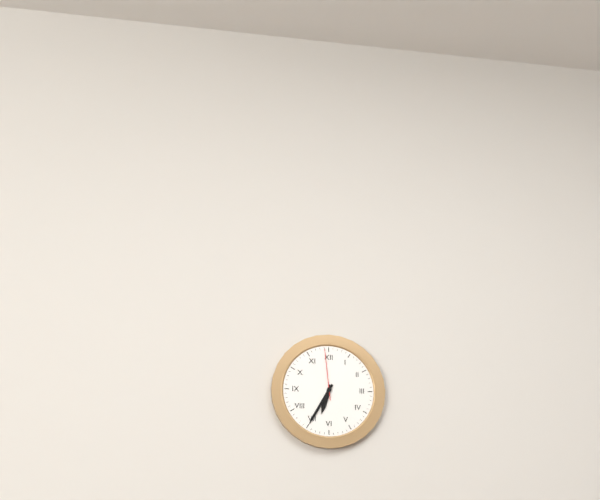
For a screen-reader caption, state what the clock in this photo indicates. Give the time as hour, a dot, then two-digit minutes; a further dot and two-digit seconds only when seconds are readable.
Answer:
6.35.59
